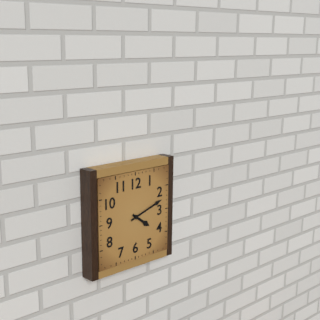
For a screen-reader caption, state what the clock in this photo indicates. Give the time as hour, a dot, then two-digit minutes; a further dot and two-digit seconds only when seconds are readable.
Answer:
4.12
